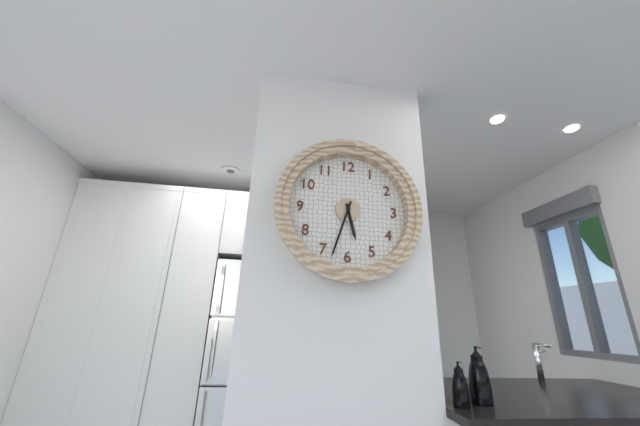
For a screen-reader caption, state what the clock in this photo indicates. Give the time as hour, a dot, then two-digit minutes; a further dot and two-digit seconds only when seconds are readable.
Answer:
5.33
